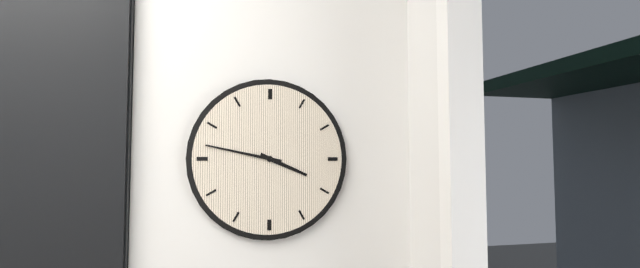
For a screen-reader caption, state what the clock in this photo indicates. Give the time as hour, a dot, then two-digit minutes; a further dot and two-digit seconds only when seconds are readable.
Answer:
3.47
